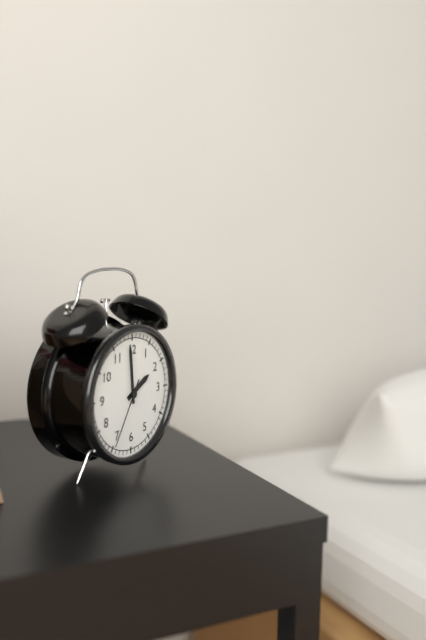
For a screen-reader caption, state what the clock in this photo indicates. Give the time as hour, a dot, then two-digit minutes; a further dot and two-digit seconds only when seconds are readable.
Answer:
1.59.35
